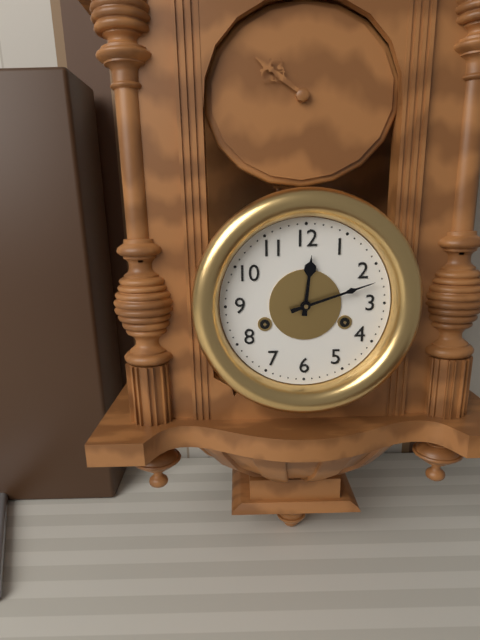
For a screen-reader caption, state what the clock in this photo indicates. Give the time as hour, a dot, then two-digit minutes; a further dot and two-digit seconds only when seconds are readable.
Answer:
12.12
